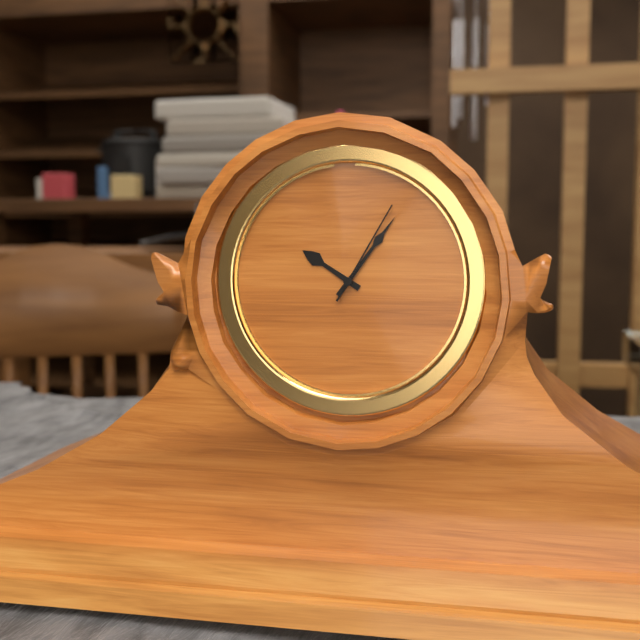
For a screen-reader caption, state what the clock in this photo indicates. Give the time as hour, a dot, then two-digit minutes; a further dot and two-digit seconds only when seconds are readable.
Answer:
10.06.05
